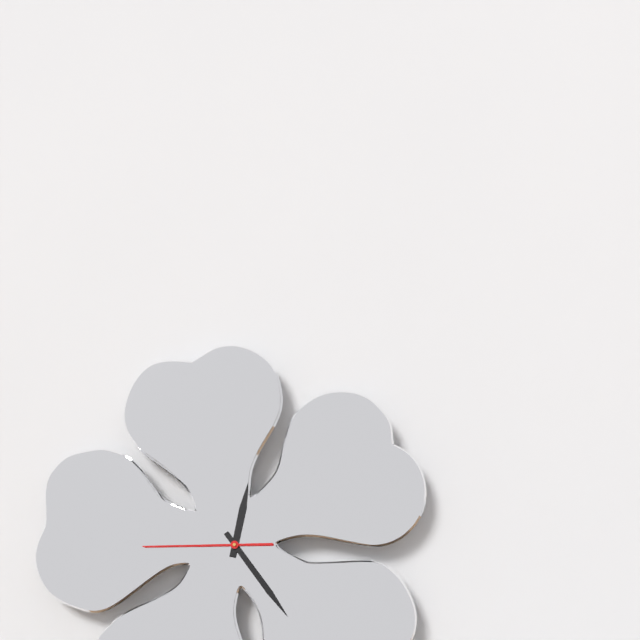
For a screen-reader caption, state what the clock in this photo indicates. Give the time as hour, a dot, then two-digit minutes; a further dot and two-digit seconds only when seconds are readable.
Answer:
12.24.45
